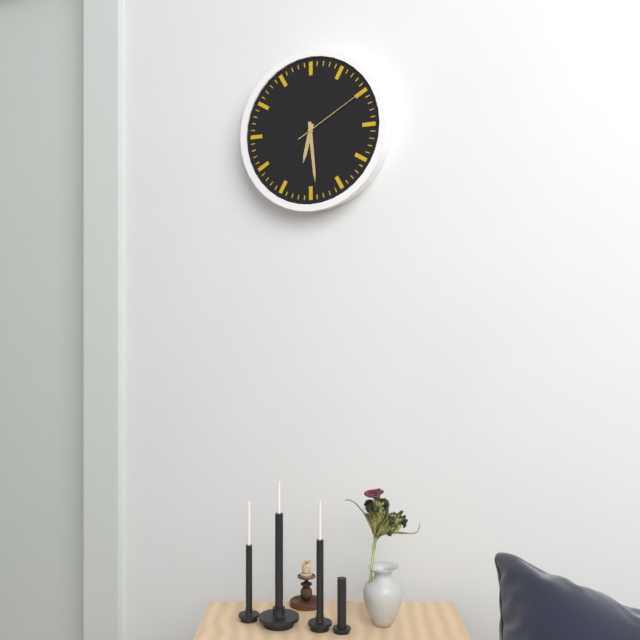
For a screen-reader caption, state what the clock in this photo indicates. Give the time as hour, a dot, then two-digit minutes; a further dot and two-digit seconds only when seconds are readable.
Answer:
6.29.10
